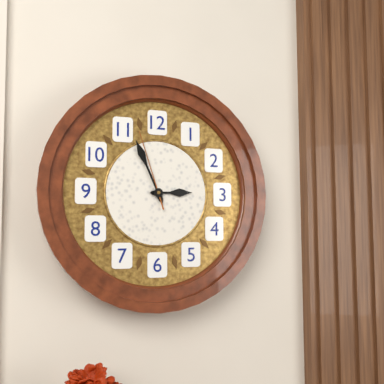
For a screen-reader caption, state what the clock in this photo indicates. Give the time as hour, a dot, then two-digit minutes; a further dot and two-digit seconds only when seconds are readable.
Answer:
2.56.57
